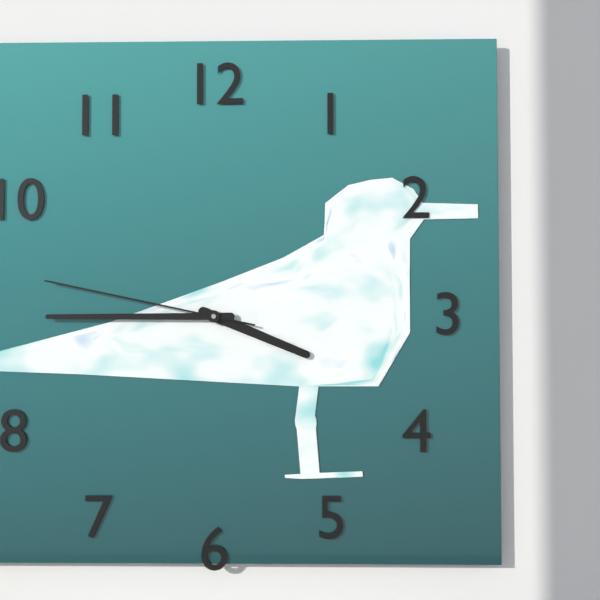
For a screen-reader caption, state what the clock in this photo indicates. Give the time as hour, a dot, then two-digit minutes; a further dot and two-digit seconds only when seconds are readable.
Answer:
3.45.47
